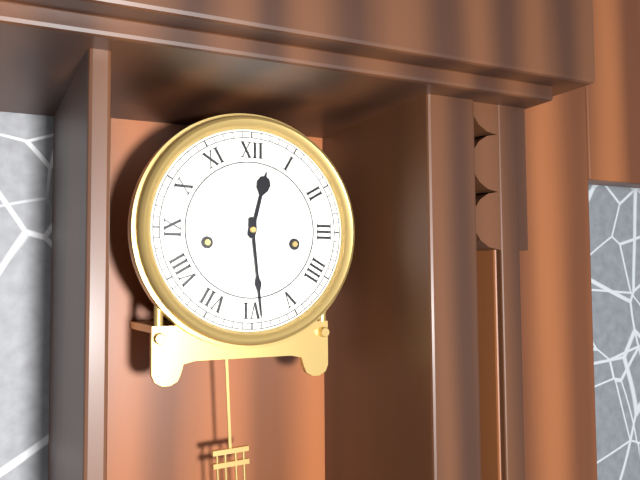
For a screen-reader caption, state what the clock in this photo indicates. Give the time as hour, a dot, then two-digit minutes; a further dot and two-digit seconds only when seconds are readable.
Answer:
12.29
